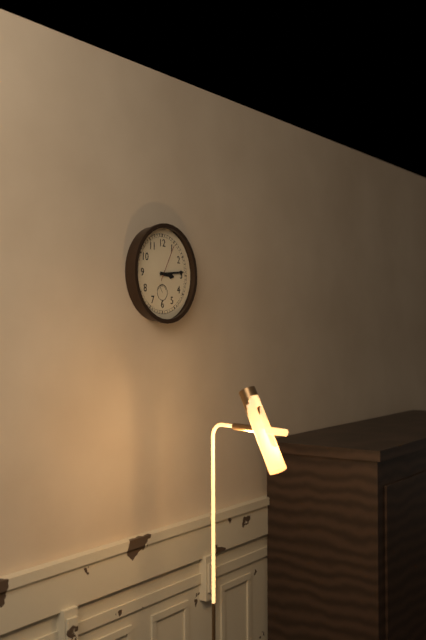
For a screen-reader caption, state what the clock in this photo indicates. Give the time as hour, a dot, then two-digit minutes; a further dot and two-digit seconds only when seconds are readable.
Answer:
3.14
